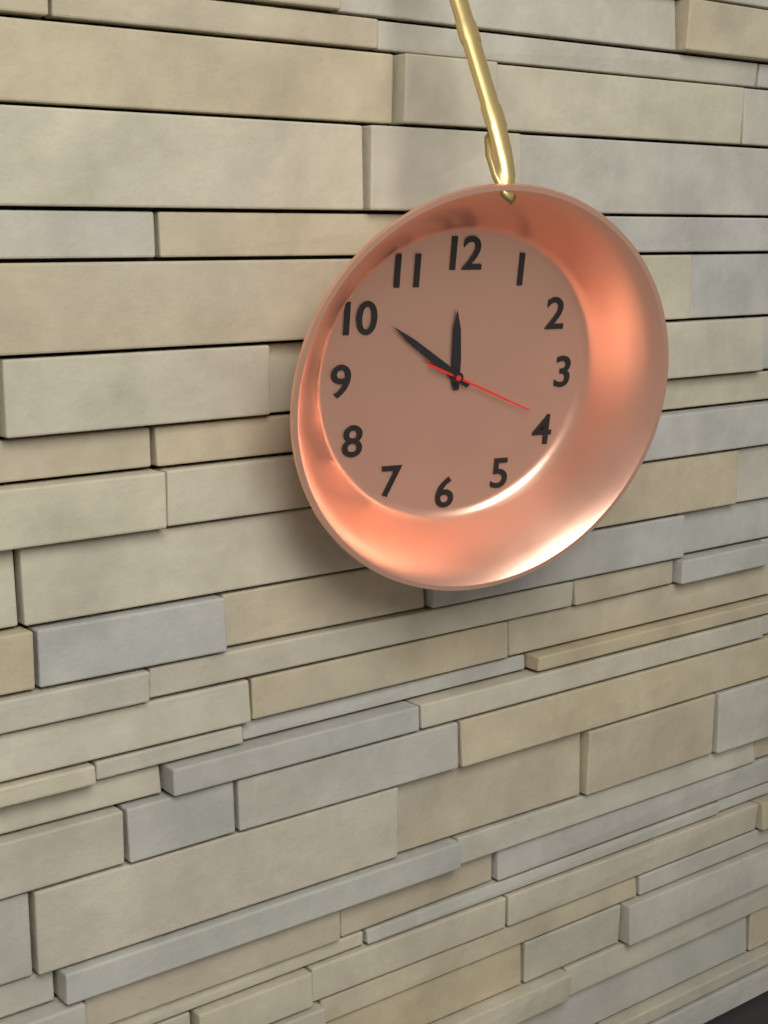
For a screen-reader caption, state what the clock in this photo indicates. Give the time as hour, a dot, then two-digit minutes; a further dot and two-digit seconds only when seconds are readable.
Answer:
11.51.19
